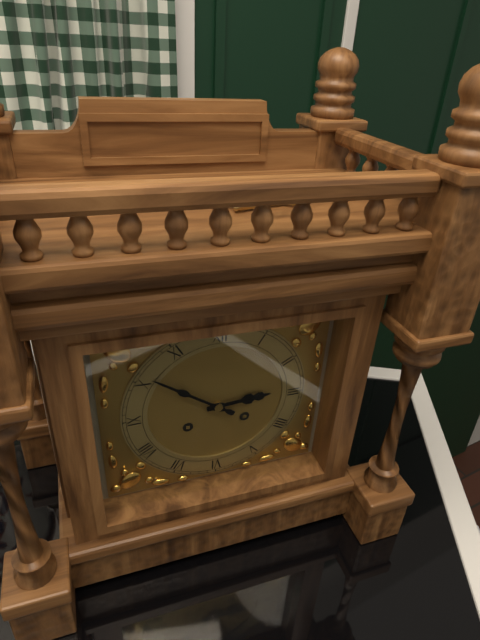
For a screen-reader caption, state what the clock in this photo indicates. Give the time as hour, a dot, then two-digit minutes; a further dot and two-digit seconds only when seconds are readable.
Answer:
2.51
